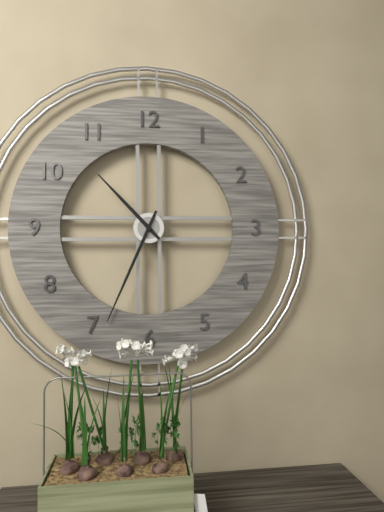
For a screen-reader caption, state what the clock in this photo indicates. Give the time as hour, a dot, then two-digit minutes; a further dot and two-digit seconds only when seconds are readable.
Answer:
10.34
